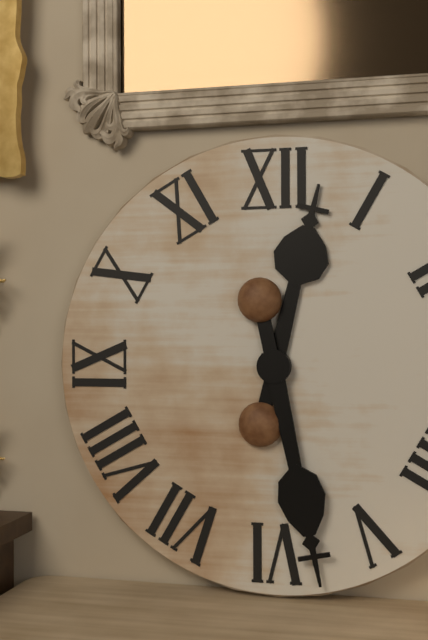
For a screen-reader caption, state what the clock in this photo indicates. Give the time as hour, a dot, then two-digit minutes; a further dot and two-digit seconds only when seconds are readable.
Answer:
12.28
